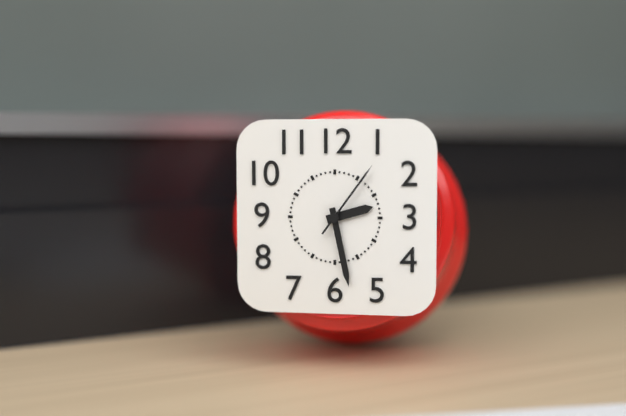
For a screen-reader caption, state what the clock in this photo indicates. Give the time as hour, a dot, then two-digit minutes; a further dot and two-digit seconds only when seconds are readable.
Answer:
2.28.06
